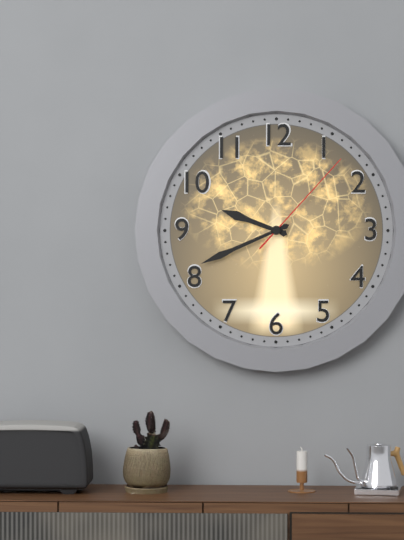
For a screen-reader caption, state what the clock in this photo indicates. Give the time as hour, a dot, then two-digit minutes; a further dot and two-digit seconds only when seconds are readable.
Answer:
9.41.07
